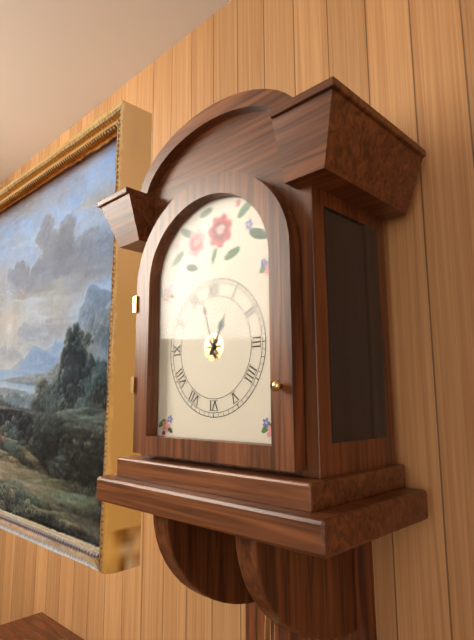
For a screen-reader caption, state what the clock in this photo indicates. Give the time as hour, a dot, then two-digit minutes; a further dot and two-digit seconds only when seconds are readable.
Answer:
12.57
